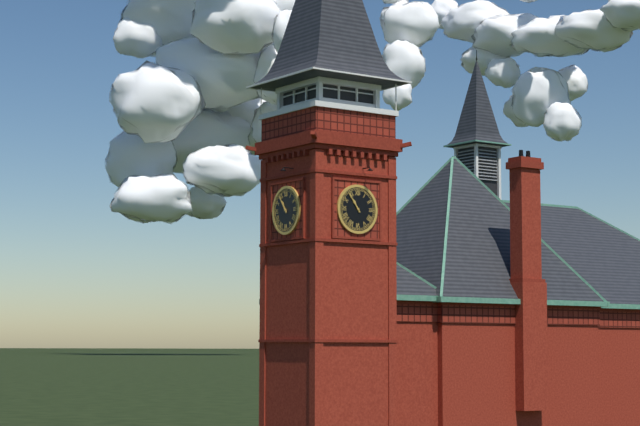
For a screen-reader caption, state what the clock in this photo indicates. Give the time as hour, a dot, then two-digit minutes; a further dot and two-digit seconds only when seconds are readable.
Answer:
10.54
